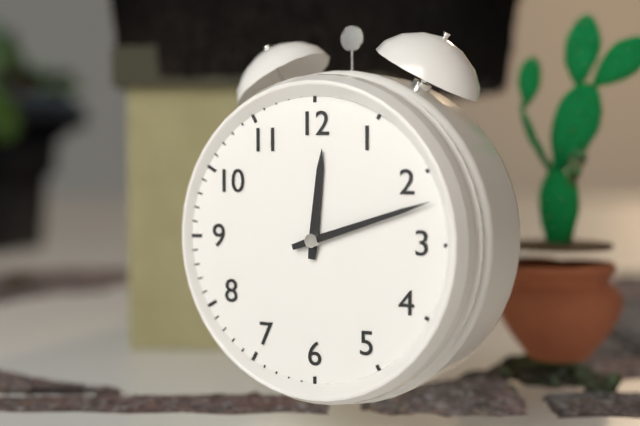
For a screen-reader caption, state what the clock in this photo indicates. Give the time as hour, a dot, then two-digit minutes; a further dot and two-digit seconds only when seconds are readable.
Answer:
12.12
